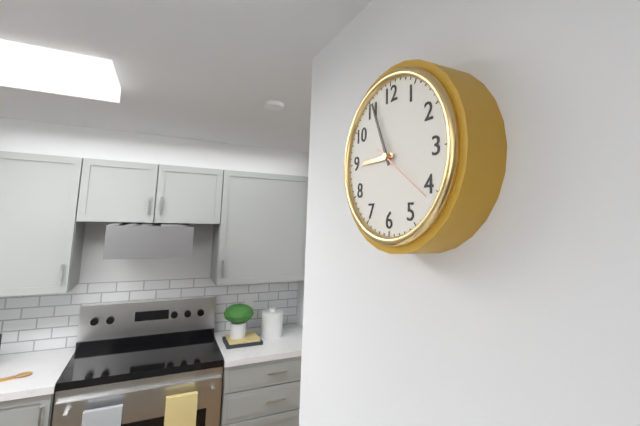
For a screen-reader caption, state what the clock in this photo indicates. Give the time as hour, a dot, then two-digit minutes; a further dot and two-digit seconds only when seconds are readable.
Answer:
8.56.21
